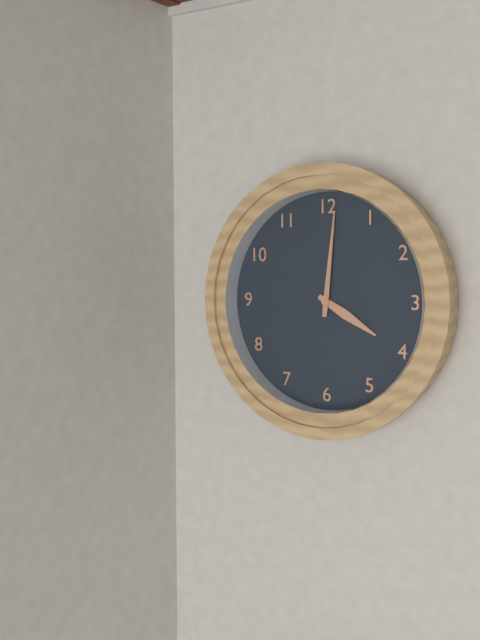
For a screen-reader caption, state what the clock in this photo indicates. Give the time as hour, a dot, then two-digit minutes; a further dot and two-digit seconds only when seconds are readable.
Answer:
4.01
